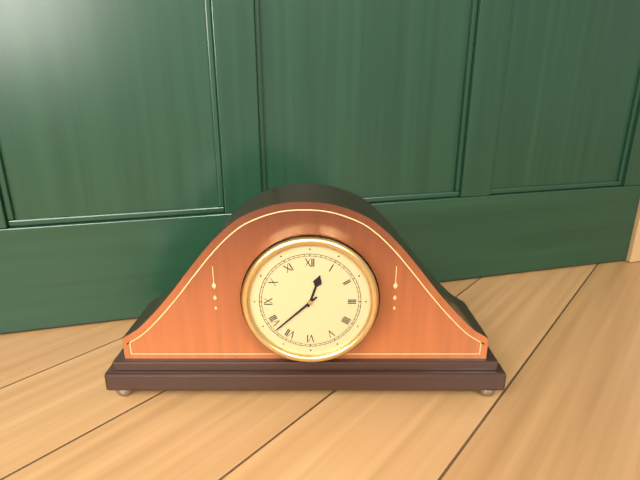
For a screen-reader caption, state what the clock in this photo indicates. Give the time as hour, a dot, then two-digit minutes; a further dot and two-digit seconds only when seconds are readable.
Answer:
12.38
